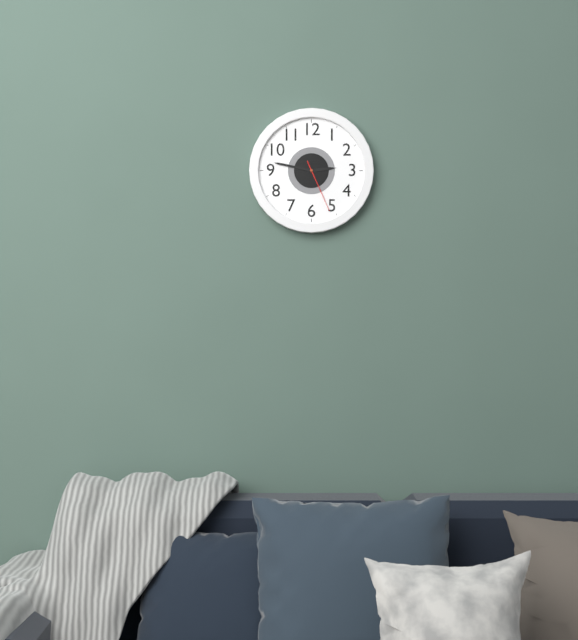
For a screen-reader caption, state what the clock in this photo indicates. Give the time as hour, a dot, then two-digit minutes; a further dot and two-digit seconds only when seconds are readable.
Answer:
2.47.26
